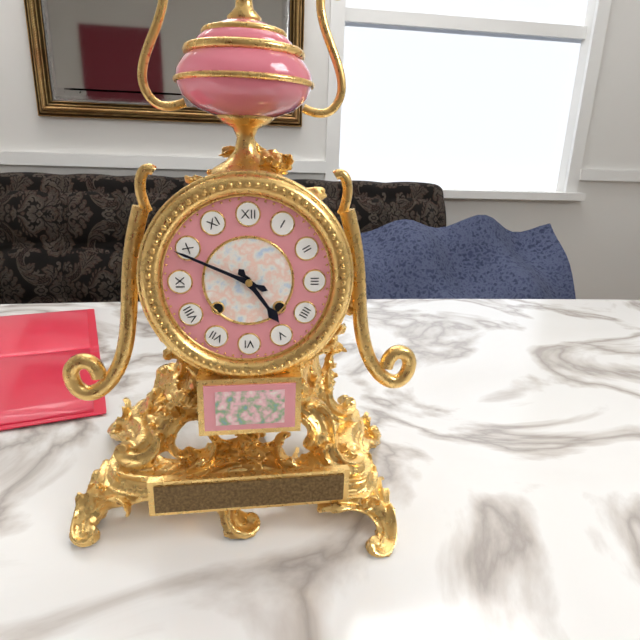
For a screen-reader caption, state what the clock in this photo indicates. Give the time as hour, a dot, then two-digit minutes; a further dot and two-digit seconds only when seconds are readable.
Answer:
4.49
